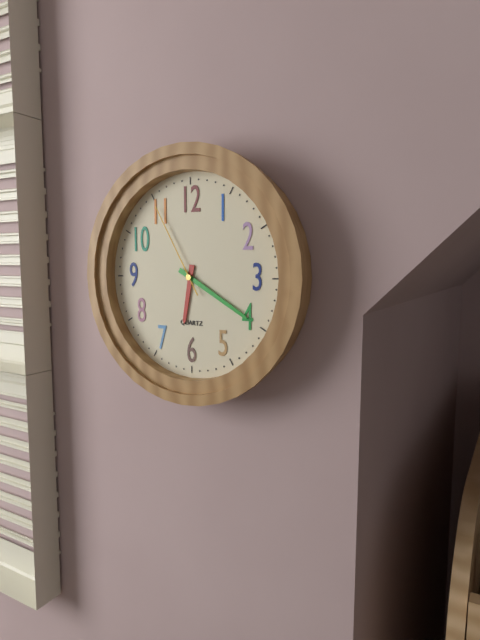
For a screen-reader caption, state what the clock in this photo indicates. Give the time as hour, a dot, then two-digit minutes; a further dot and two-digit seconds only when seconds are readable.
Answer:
6.20.55
